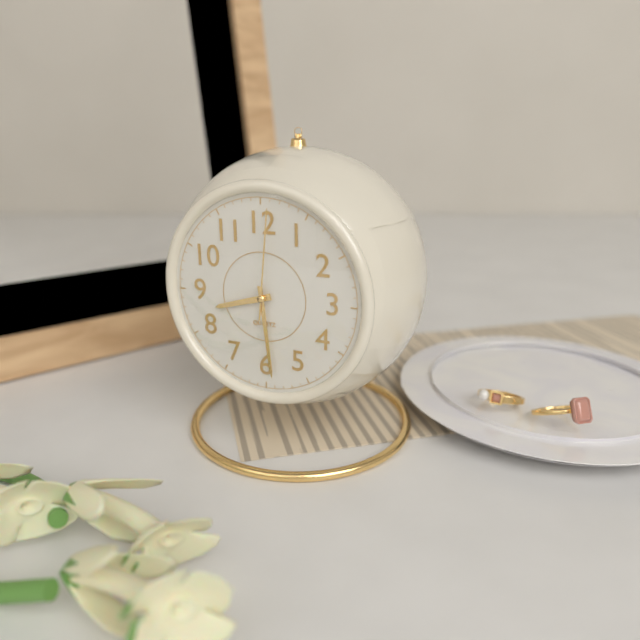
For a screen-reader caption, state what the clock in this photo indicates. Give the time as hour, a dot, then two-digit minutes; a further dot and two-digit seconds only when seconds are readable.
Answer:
8.29.01
